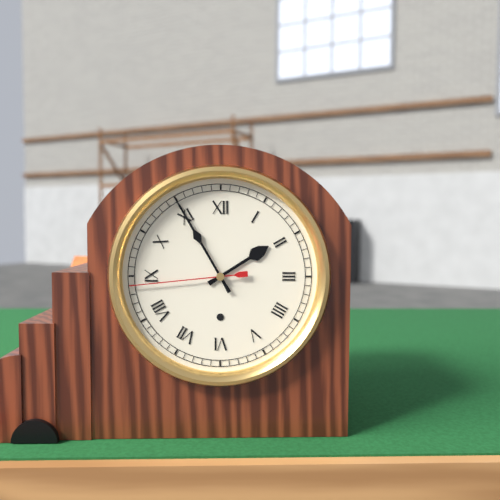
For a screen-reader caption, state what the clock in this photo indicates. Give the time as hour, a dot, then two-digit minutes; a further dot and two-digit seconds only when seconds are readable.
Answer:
1.55.44
